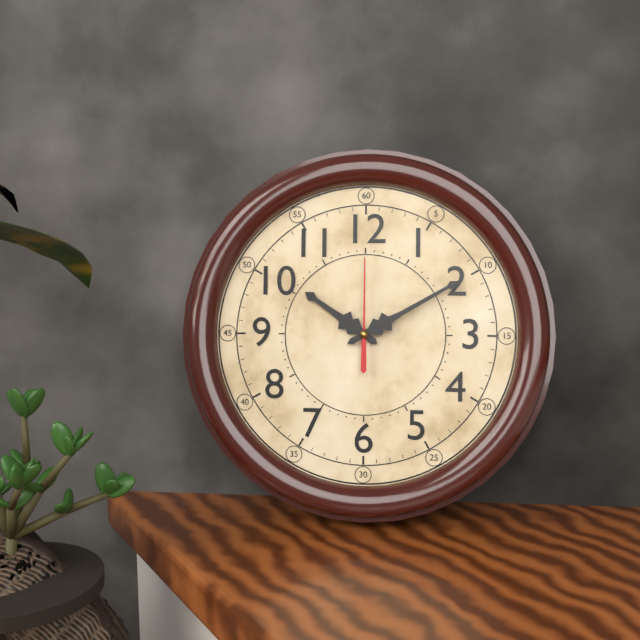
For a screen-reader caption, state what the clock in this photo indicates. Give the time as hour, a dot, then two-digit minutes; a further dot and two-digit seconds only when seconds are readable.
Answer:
10.10.00
